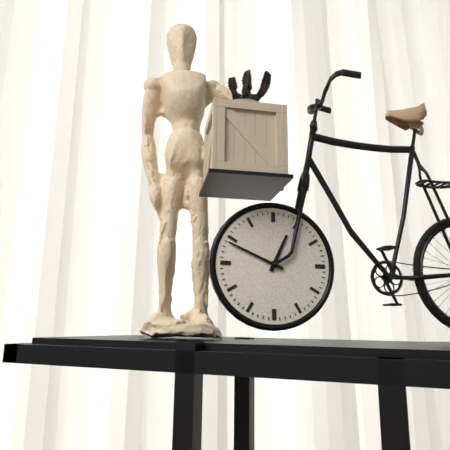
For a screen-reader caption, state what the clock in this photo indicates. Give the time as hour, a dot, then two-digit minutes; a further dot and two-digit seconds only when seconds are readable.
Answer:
12.49
